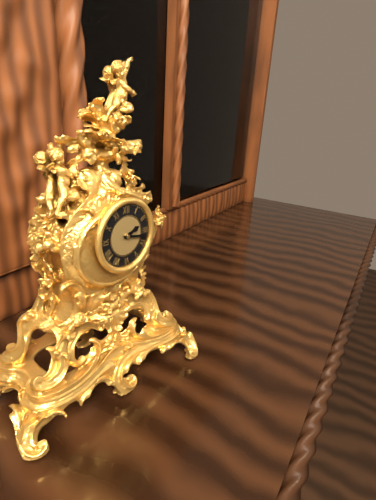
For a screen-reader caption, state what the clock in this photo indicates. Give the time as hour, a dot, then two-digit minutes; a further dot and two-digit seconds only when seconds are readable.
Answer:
2.17
